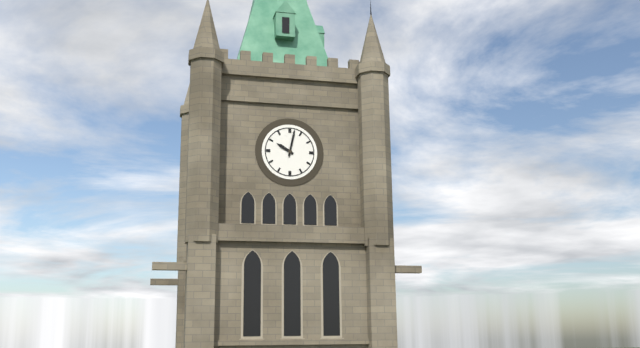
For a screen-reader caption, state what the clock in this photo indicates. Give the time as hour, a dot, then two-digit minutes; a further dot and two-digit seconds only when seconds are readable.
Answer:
10.02
